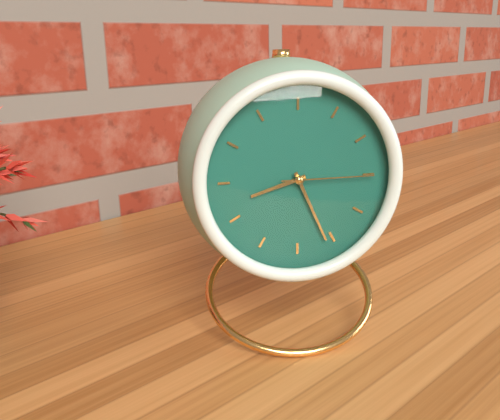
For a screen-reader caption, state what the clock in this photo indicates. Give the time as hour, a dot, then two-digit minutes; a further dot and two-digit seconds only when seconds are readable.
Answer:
8.26.15
